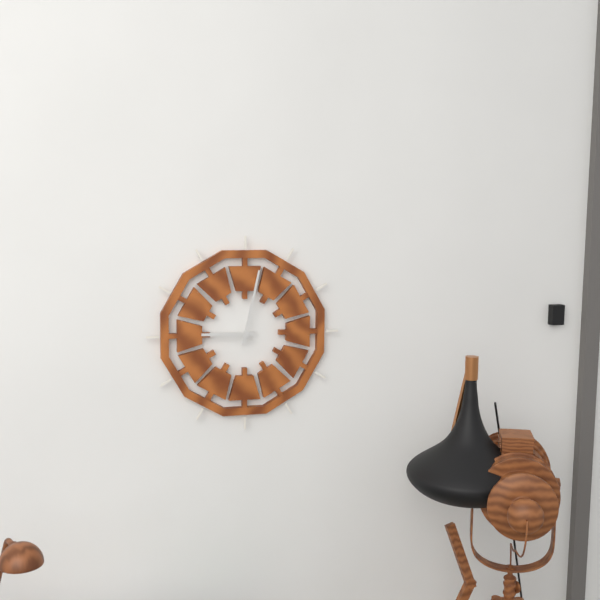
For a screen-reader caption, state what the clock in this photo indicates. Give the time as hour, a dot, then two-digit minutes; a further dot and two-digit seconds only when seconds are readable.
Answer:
9.02
